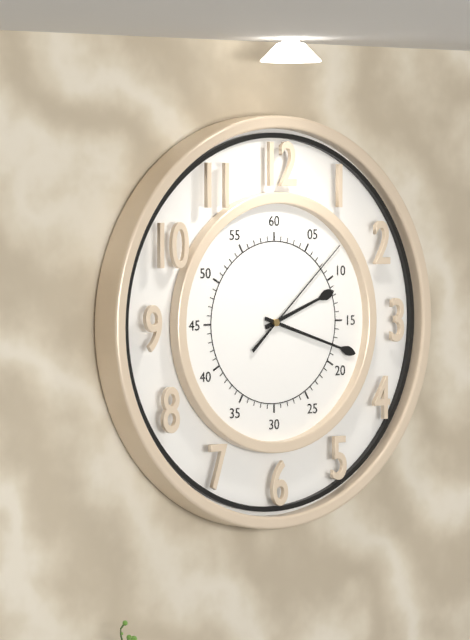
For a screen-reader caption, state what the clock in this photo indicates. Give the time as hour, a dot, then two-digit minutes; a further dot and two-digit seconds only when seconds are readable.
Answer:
2.18.08
